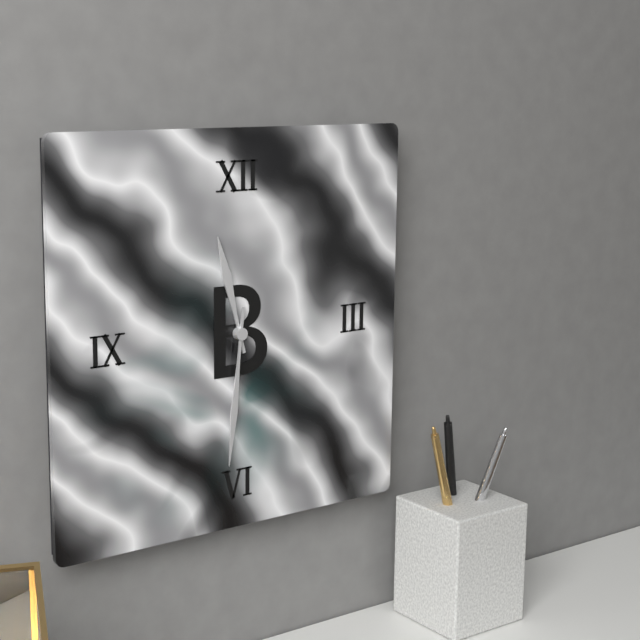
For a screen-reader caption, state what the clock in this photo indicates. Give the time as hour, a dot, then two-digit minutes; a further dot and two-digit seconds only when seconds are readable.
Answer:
11.31
